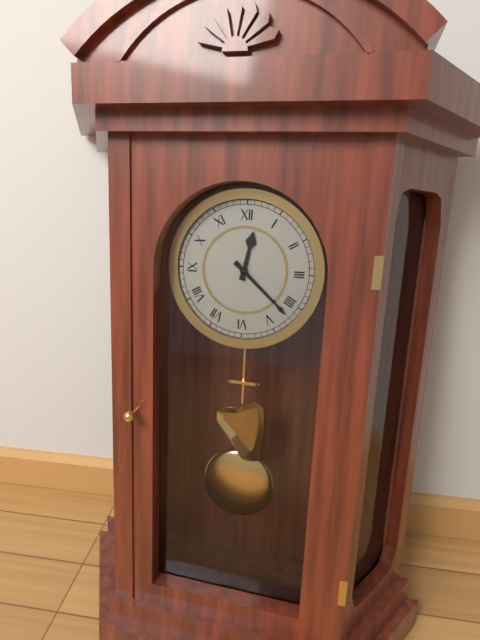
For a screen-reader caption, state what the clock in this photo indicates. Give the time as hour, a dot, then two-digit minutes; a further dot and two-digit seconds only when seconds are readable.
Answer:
12.22
